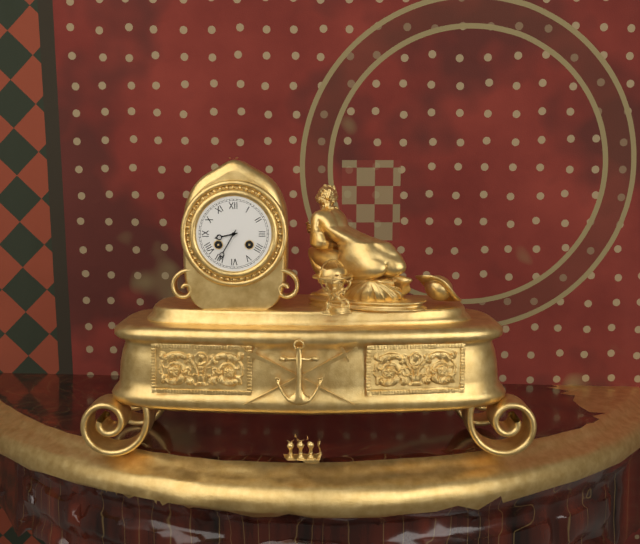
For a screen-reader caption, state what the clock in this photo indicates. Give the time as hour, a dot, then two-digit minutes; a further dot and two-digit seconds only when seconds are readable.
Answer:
8.35
